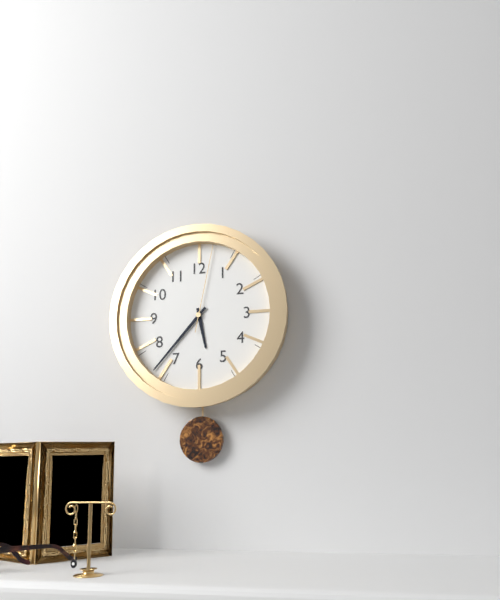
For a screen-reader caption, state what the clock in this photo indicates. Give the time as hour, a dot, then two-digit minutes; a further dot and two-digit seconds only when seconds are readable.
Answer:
5.37.02
